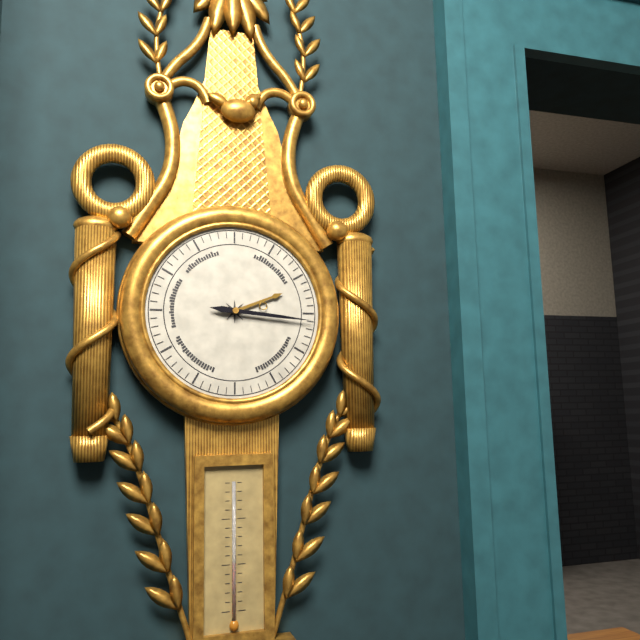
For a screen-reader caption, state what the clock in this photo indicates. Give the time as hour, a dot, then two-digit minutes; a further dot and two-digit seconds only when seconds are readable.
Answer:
2.16
